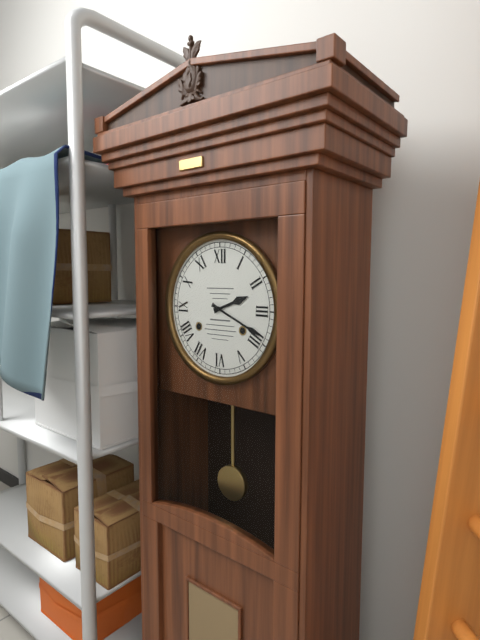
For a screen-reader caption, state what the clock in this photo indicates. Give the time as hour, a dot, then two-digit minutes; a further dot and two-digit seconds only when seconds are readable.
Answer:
2.19
